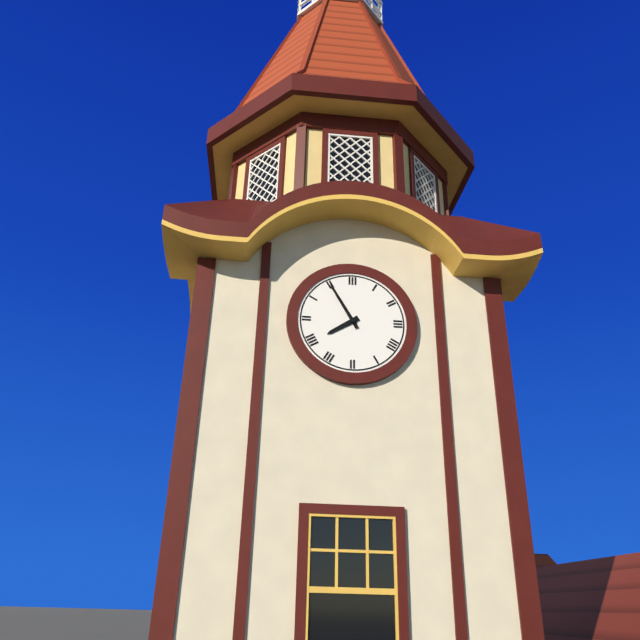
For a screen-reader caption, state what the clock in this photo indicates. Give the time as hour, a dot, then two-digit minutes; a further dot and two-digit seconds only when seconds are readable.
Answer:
7.55
